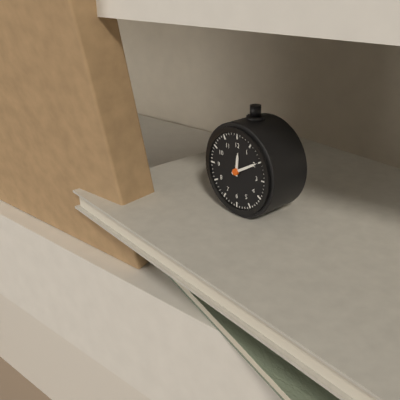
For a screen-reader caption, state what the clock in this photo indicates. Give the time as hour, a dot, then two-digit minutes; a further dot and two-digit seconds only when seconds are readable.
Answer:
12.10
